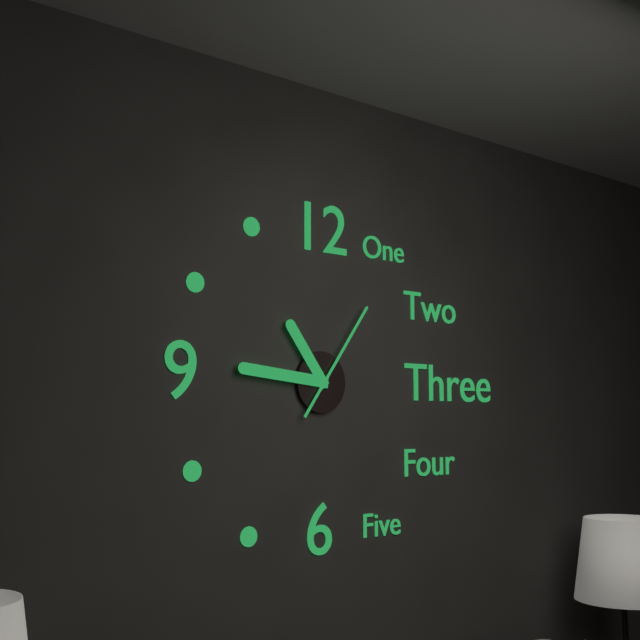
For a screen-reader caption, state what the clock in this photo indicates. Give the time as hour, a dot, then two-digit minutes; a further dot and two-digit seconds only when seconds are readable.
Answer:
10.46.06
